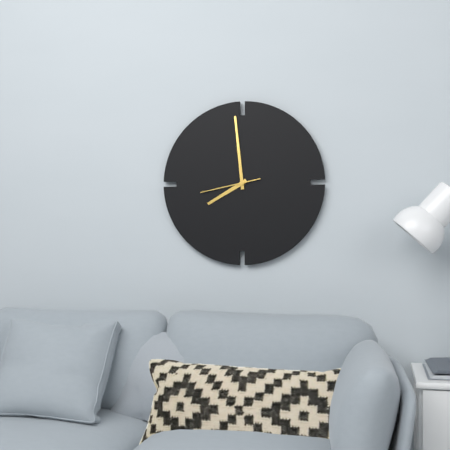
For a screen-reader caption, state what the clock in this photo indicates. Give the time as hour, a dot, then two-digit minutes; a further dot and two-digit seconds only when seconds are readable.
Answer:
7.59.43
